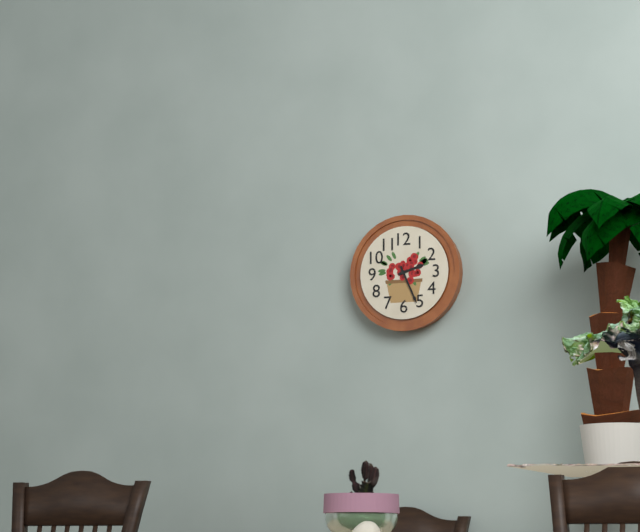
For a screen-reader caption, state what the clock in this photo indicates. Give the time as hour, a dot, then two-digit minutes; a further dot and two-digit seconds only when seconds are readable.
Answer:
2.26
